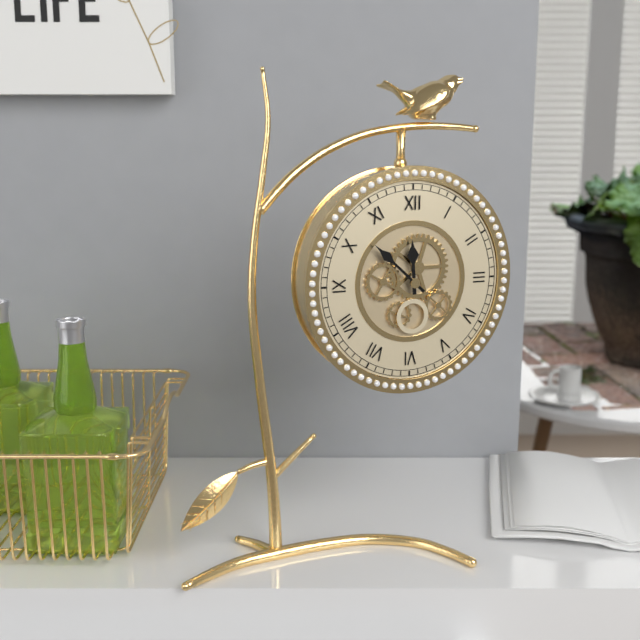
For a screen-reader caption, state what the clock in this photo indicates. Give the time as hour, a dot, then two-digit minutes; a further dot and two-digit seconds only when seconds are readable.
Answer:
11.52
